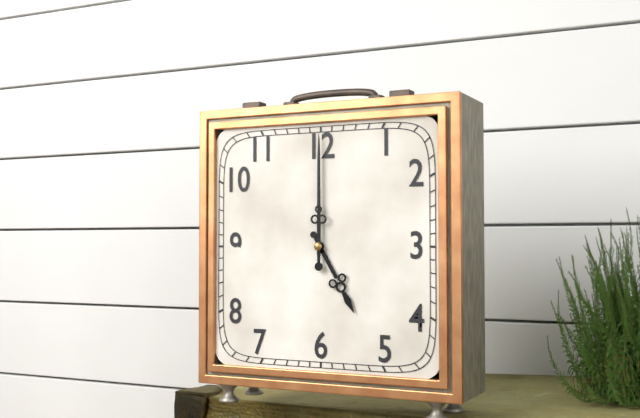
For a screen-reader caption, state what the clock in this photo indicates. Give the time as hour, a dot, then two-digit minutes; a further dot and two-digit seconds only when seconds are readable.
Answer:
5.00
